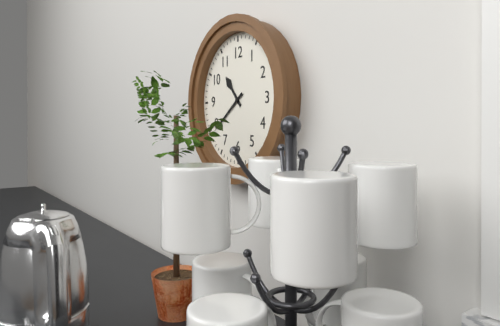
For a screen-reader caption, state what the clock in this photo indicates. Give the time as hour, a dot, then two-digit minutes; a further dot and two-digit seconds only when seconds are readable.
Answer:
10.39
